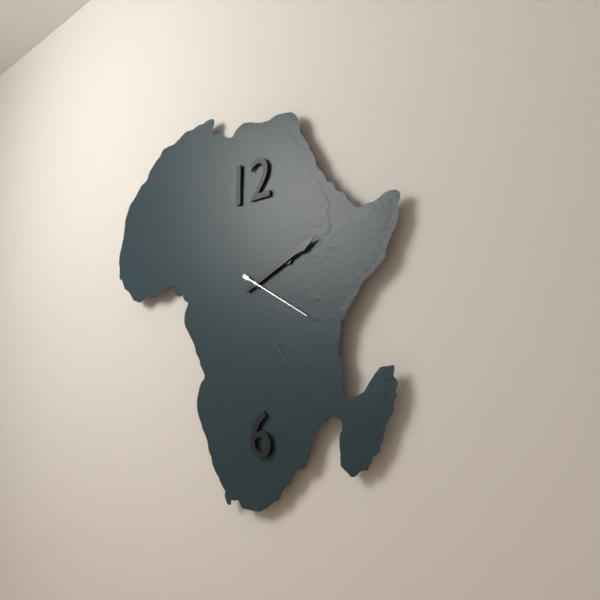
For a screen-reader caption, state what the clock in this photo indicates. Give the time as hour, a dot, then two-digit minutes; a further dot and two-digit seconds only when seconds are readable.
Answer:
2.11.20
